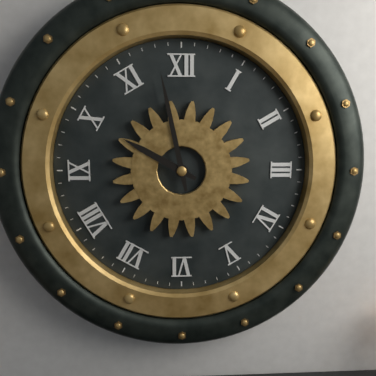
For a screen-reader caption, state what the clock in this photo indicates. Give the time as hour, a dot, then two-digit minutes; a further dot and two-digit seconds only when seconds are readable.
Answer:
9.58
